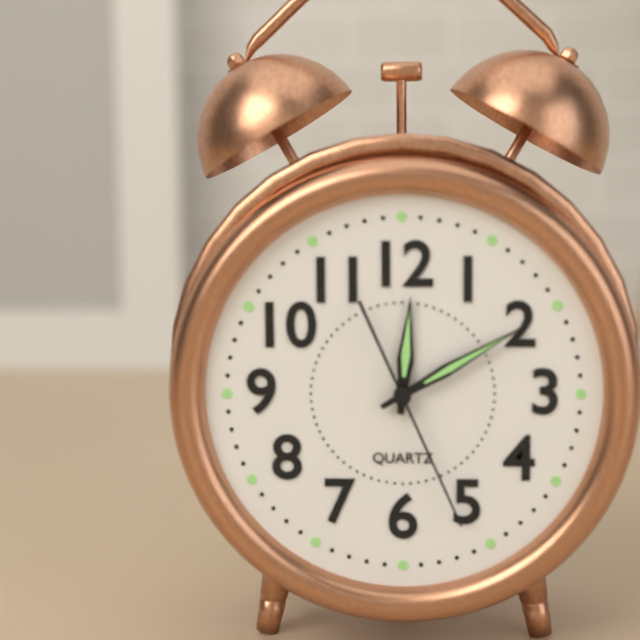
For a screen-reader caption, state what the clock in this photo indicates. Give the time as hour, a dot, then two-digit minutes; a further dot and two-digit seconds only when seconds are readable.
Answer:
12.10.26
